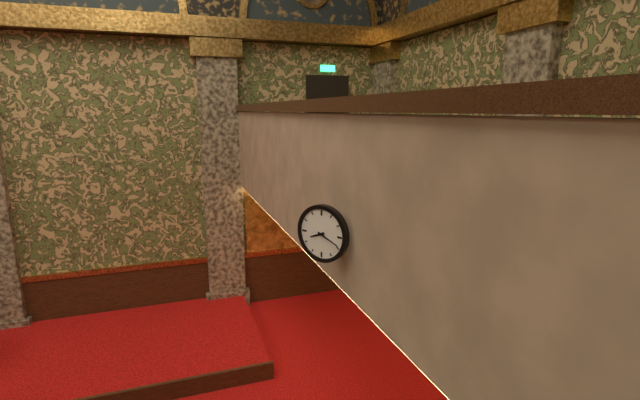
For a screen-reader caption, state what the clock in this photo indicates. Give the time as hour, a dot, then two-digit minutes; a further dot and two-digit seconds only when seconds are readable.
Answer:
8.19
